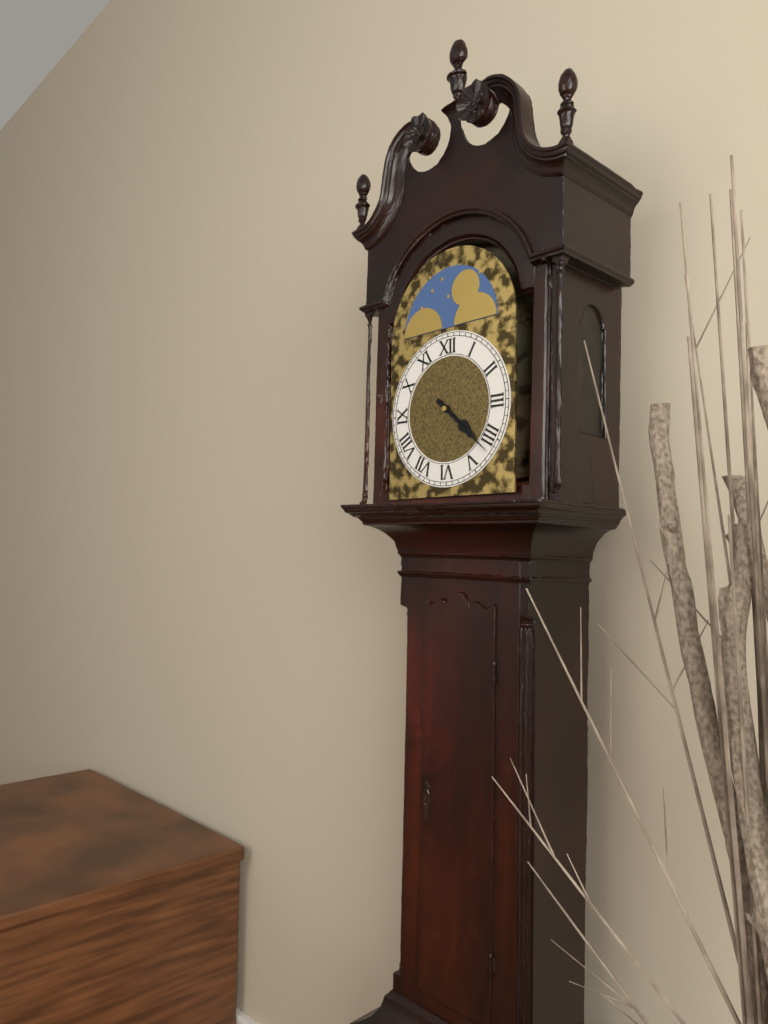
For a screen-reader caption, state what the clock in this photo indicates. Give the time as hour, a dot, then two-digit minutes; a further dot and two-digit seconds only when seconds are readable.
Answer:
4.22
